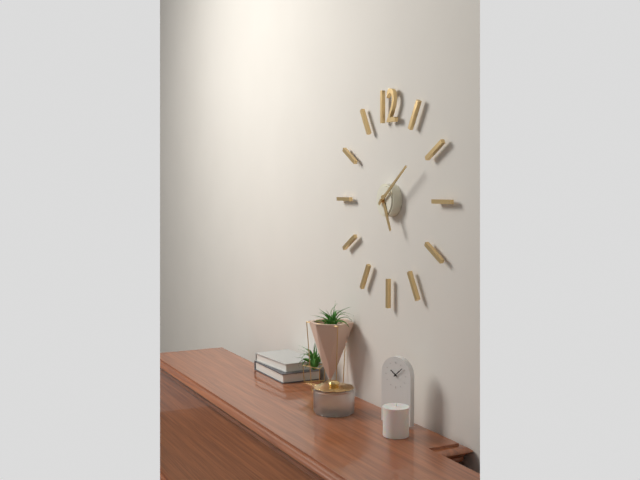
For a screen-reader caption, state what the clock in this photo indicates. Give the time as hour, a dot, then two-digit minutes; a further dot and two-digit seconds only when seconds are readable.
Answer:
5.09
